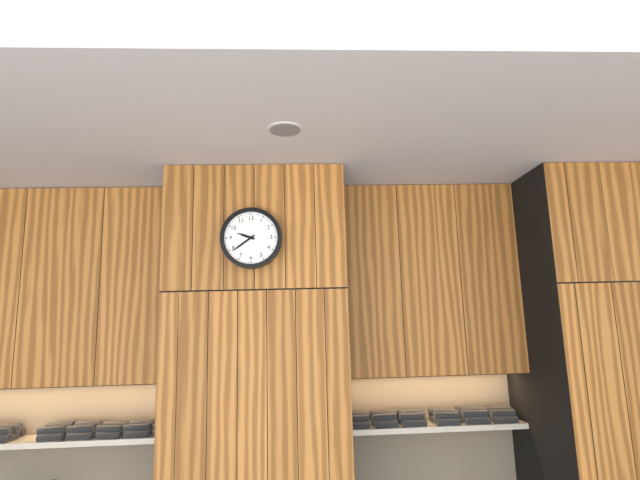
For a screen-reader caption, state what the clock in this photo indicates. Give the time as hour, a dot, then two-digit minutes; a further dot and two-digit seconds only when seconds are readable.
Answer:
9.39
